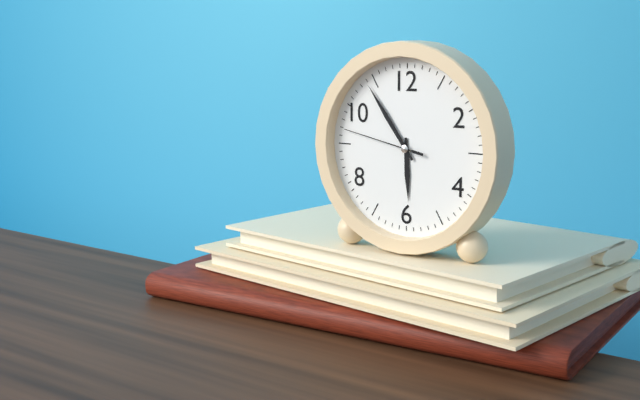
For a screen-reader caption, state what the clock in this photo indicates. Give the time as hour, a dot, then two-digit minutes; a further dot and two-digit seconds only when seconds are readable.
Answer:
5.54.47
